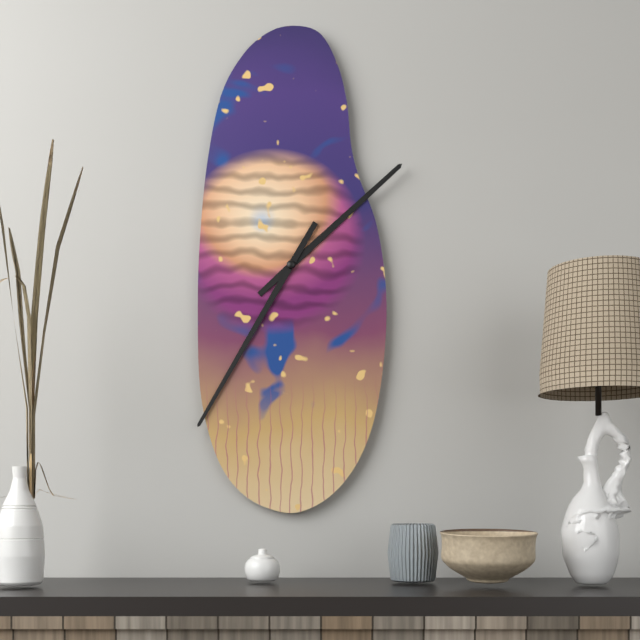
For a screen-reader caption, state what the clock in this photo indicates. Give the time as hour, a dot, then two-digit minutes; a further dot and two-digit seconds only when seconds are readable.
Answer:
1.35
